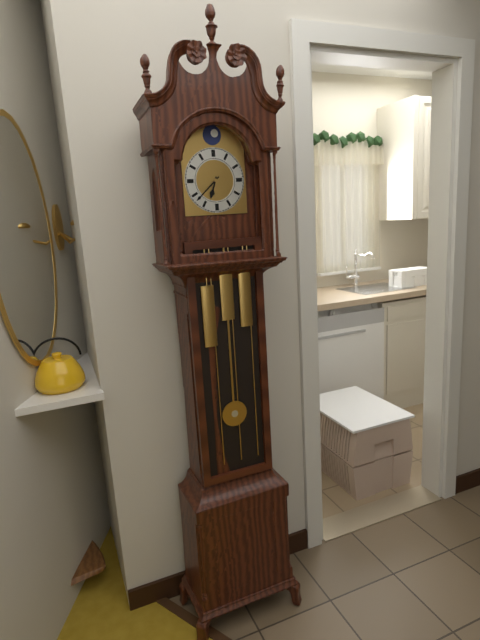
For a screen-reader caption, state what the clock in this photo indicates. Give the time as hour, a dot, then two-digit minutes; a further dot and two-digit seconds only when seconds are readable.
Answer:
6.38
